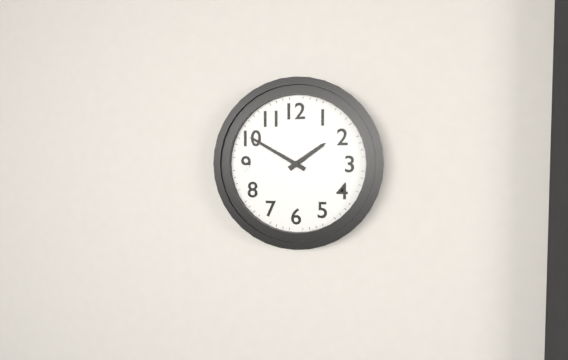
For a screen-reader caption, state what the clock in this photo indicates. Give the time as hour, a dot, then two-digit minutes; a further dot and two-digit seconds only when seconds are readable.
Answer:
1.50
